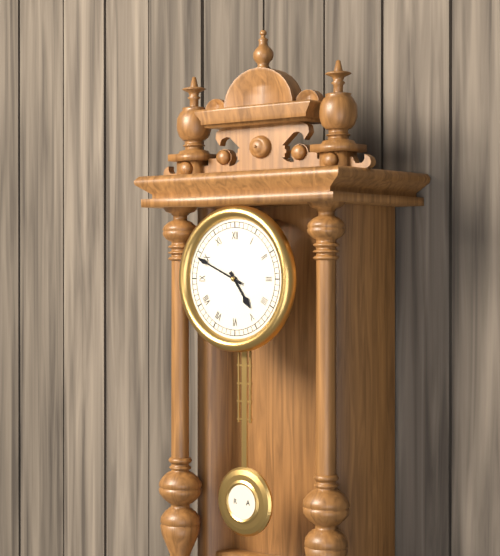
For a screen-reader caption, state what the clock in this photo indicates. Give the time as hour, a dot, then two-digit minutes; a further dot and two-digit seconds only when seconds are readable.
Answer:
4.49
